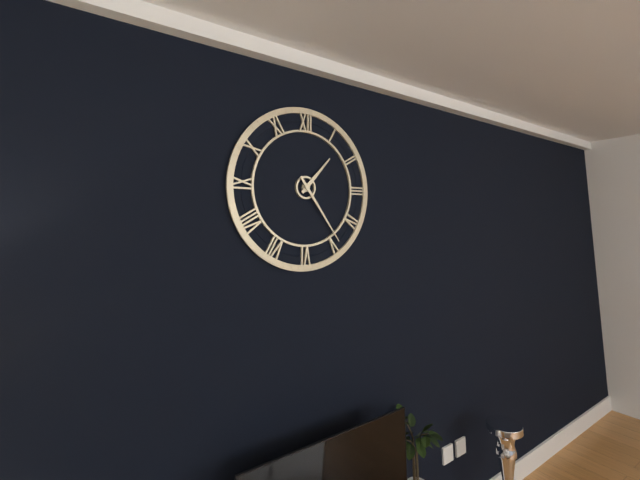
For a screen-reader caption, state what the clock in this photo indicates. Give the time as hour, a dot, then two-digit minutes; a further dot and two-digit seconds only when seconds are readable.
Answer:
1.24
